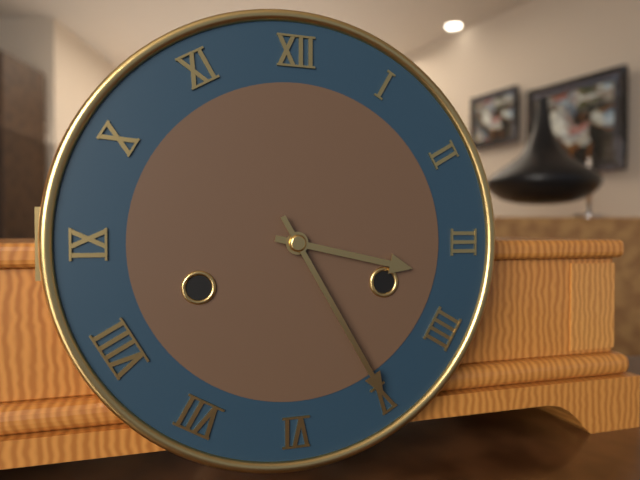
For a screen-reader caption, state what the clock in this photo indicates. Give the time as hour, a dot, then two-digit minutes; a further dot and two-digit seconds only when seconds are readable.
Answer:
3.25
